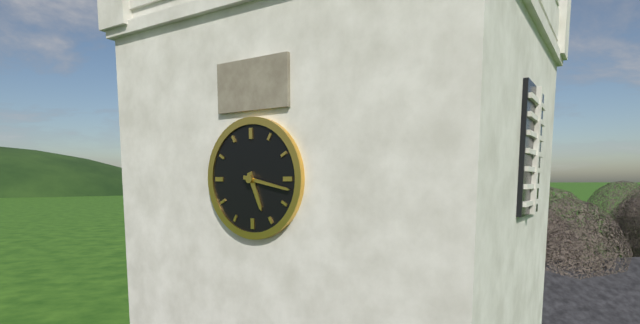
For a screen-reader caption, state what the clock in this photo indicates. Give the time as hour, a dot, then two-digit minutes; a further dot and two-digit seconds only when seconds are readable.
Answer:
5.17
